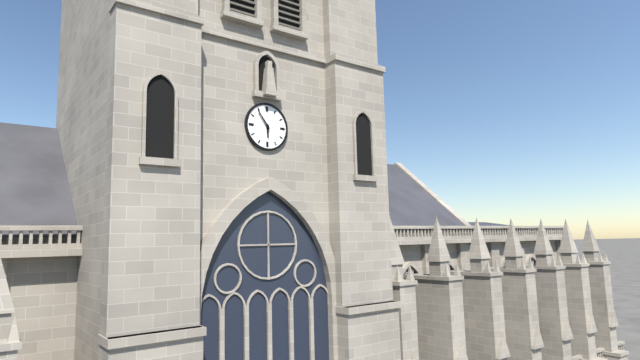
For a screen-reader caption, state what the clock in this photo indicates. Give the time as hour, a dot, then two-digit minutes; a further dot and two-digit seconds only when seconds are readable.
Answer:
5.54
